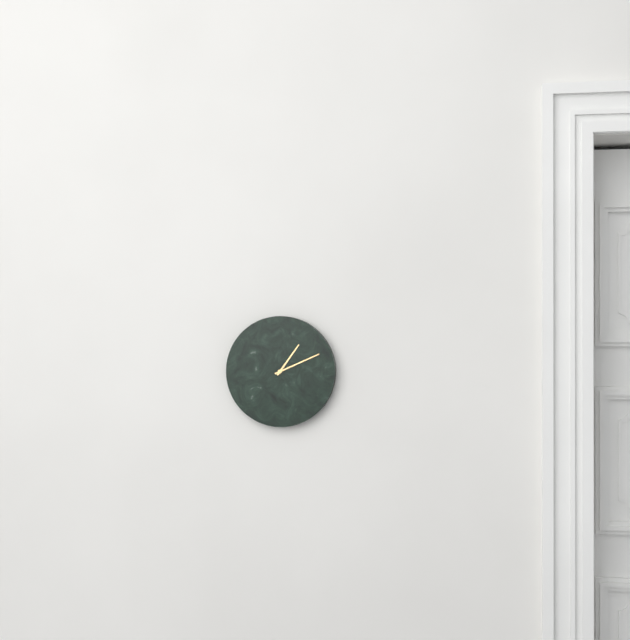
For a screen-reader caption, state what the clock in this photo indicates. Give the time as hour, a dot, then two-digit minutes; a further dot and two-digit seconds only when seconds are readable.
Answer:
1.11
